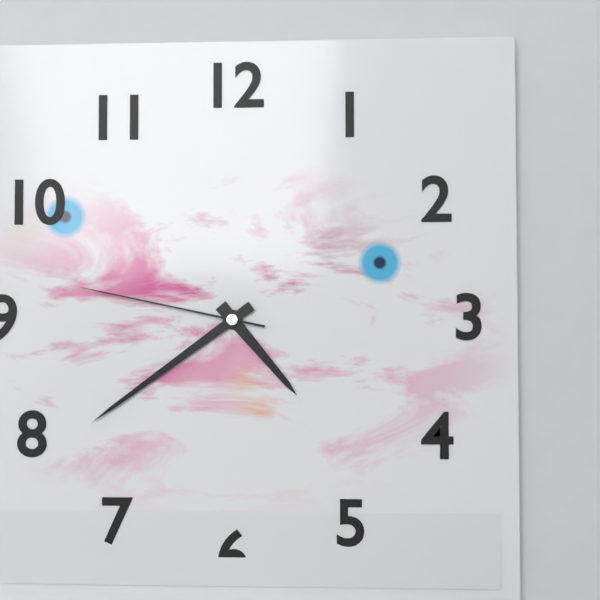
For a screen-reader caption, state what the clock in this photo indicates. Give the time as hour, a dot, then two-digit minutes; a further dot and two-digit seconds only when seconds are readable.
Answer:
4.39.47
